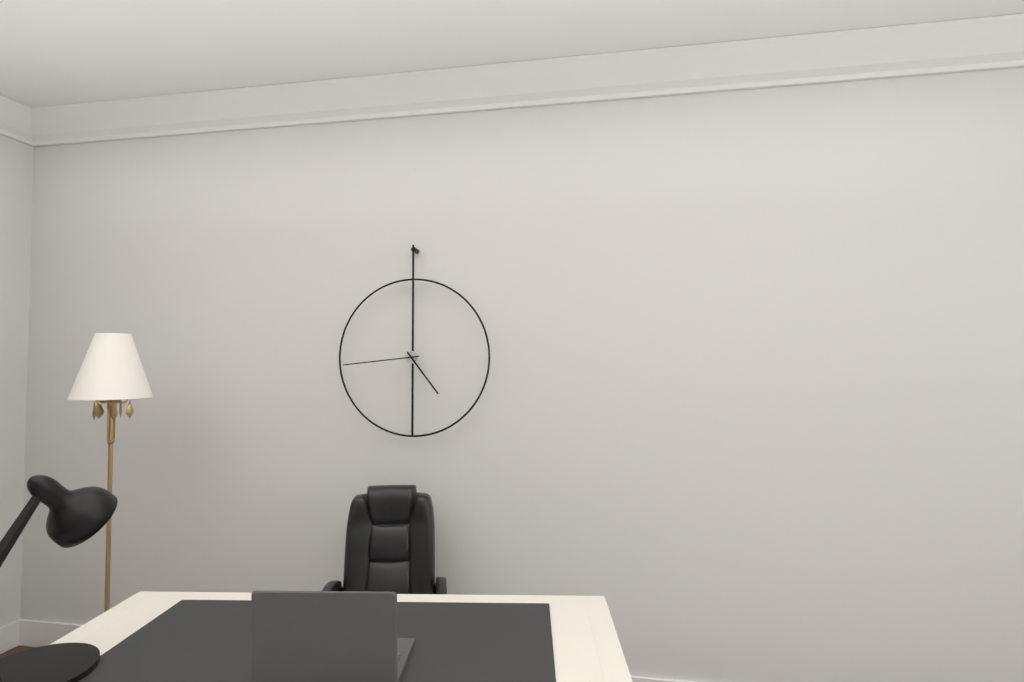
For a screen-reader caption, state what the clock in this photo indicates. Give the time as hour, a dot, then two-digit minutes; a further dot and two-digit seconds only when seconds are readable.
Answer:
4.44
